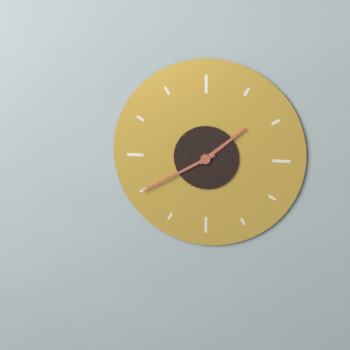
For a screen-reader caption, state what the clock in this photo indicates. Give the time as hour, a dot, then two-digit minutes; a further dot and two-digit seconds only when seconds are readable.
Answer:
1.40
